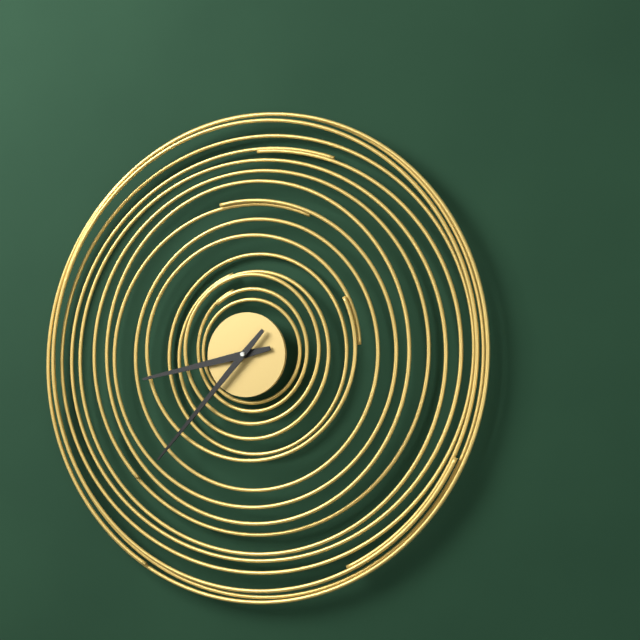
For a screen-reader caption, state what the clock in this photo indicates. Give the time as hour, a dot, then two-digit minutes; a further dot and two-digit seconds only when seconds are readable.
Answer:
8.37
